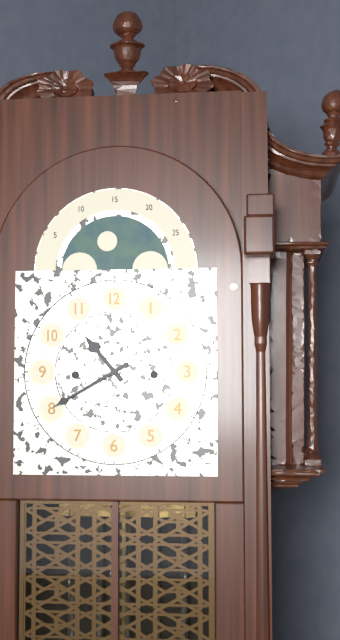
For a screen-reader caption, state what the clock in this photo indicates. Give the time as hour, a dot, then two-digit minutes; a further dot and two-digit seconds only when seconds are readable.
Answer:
10.40
